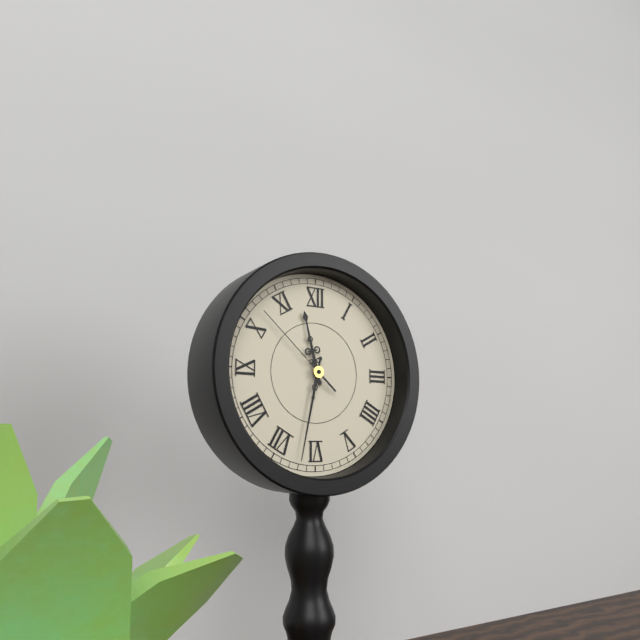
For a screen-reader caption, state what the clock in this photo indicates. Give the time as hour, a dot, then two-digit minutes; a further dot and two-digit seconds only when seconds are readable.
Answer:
11.32.52
